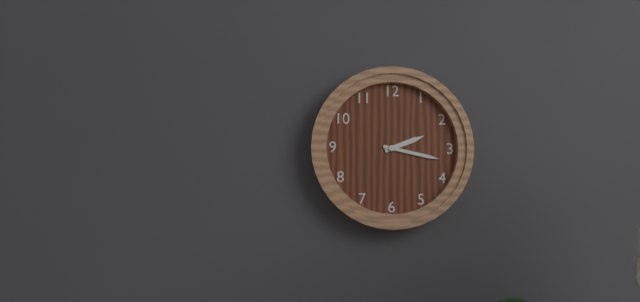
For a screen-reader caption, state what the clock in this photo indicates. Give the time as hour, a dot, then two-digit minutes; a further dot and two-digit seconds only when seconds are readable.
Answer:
2.17
